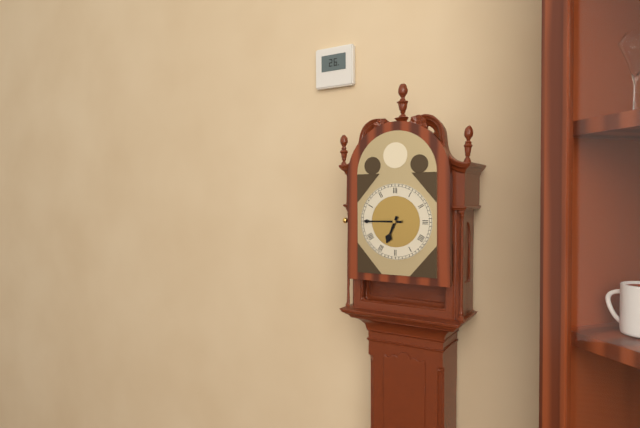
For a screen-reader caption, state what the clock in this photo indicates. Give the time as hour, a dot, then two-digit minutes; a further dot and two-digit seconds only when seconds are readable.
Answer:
6.45
